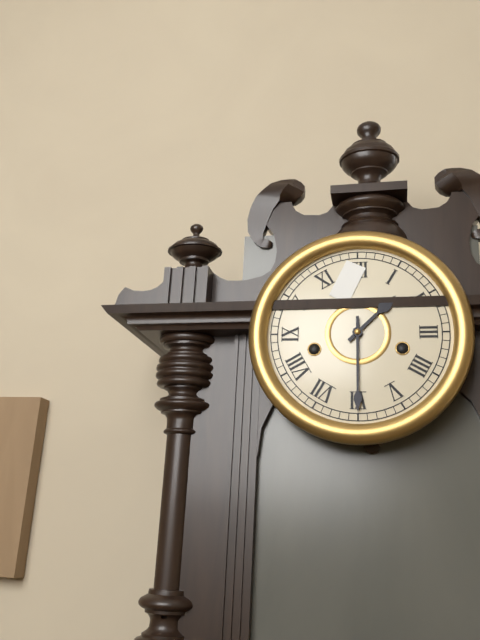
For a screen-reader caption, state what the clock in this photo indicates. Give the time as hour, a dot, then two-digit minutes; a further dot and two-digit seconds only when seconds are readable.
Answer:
1.30
